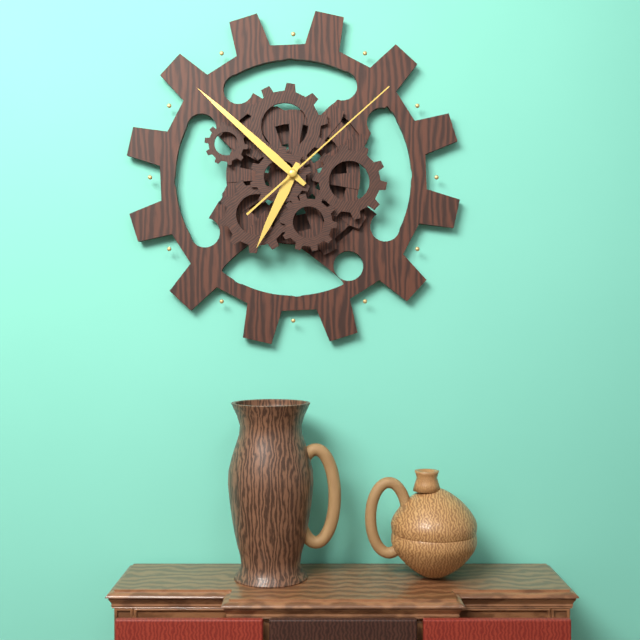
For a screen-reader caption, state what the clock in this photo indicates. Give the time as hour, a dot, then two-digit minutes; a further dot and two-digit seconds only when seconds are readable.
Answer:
6.52.08
